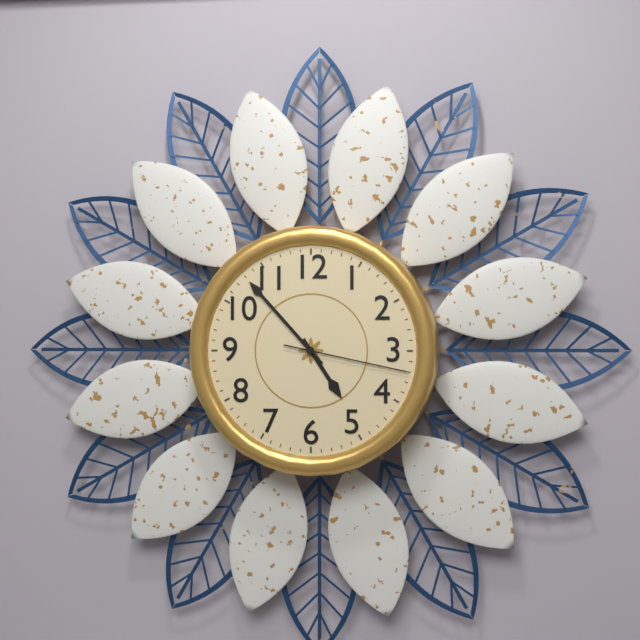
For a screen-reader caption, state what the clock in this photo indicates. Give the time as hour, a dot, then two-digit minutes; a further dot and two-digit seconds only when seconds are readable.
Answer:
4.53.17
